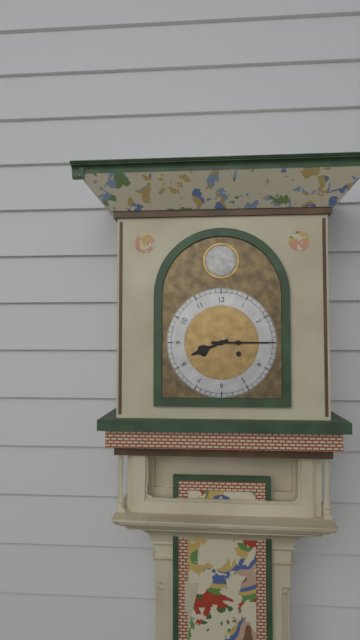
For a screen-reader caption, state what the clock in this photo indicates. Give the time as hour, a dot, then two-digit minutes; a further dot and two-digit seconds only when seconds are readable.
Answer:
8.15
